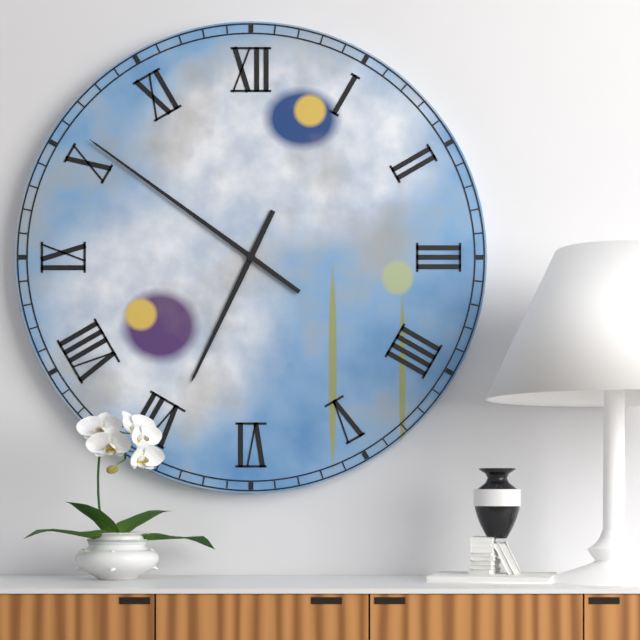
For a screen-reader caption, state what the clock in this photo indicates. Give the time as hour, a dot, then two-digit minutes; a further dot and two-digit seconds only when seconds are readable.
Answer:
6.51
